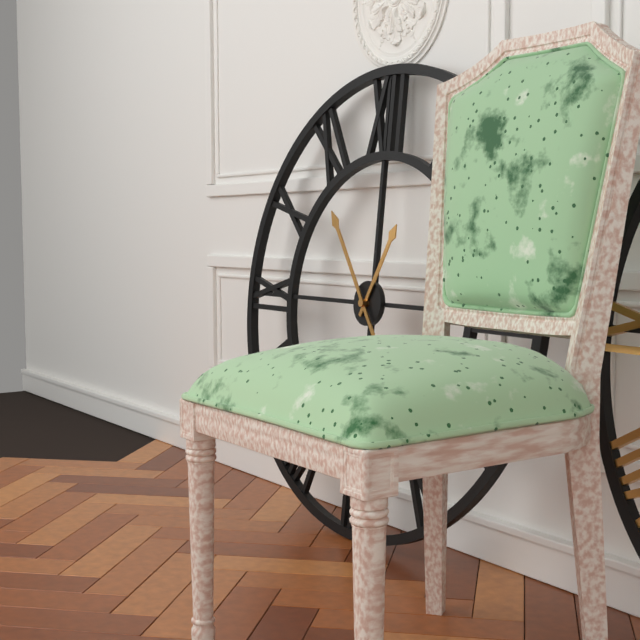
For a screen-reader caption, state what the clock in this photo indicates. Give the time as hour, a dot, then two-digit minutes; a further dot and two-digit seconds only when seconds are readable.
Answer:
12.54
